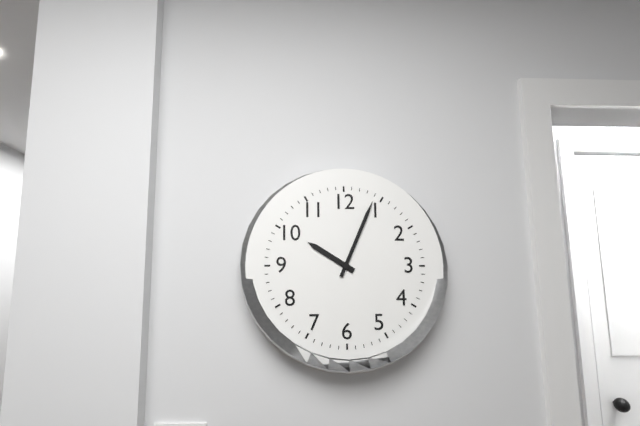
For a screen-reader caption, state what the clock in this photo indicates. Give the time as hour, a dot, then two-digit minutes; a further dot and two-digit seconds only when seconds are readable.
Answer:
10.04
